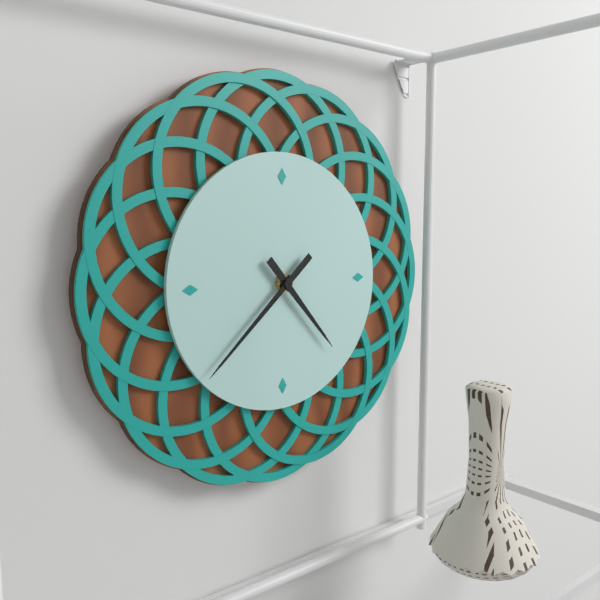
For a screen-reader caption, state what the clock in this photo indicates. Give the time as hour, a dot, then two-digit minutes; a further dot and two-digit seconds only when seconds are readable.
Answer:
4.38
